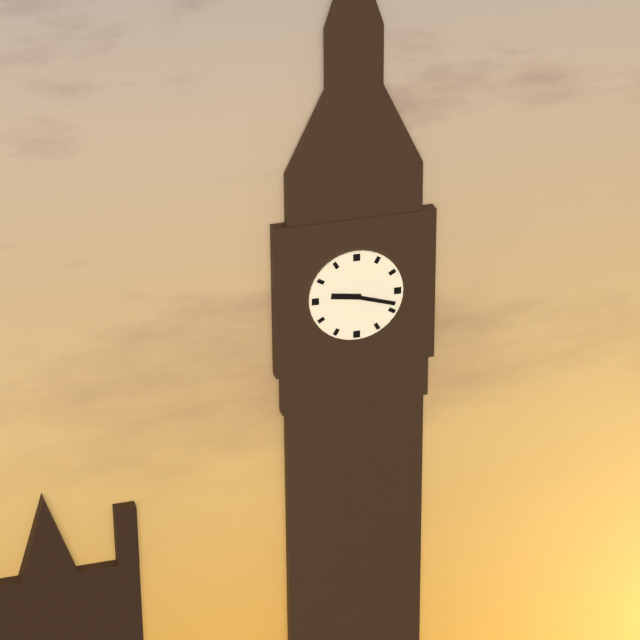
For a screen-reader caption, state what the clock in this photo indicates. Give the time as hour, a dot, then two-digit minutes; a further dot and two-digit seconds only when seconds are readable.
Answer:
9.18
